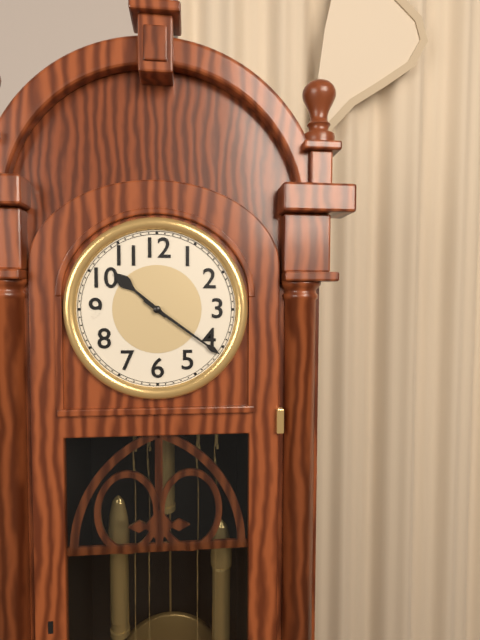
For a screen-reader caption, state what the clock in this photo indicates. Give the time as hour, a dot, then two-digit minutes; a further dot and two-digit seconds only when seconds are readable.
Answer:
10.21
